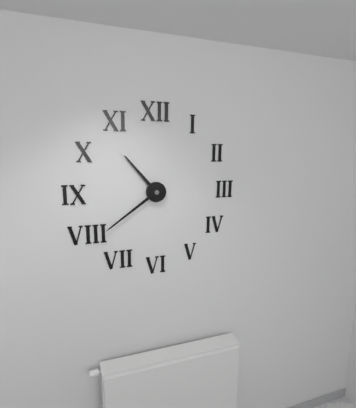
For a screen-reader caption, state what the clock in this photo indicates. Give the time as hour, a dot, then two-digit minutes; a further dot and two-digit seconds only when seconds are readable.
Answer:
10.39
